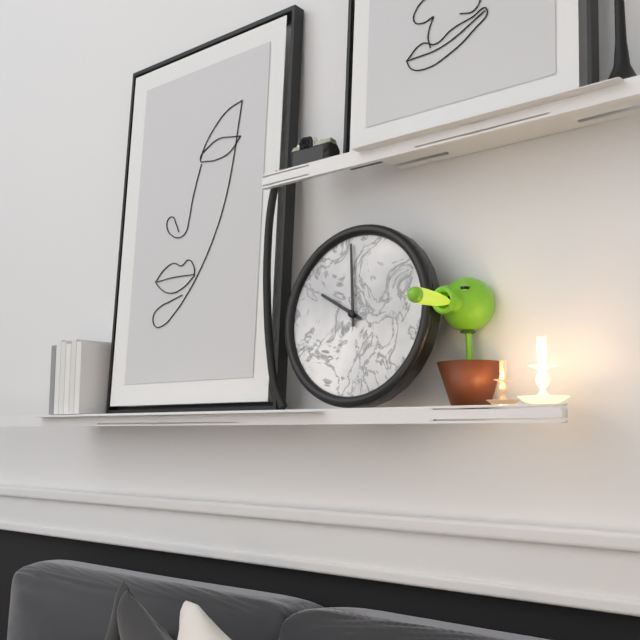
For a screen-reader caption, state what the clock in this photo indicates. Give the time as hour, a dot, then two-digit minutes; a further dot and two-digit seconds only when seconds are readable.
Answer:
9.59
